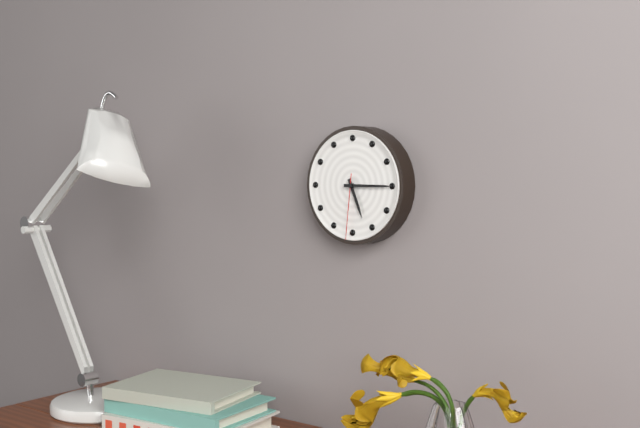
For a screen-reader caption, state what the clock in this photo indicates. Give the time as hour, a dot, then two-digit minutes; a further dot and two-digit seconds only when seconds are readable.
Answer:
5.15.31
